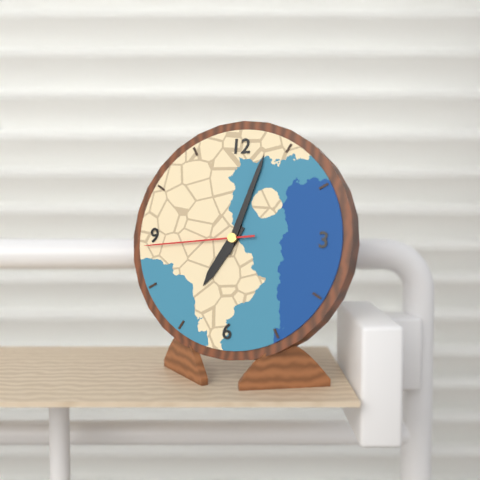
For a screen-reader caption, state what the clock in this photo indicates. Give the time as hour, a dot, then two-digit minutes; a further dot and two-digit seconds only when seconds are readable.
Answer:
7.03.44
